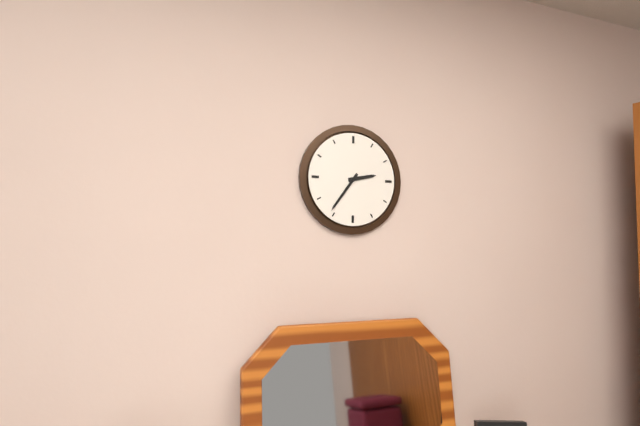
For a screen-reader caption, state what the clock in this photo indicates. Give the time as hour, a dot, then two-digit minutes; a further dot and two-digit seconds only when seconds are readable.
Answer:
2.36
